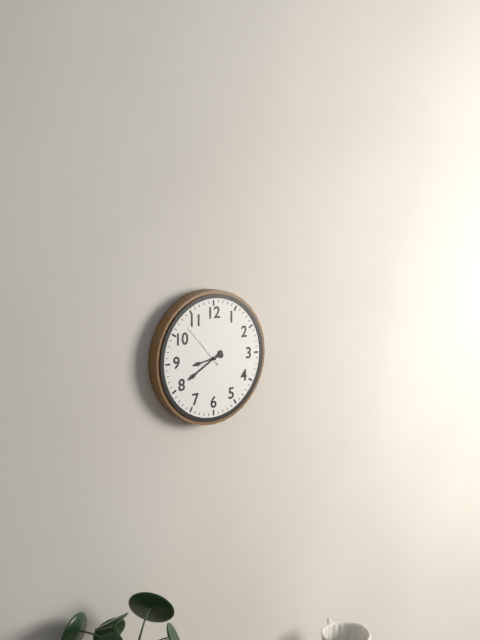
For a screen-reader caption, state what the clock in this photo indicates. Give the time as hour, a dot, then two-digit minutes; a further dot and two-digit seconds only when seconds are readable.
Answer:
8.40
